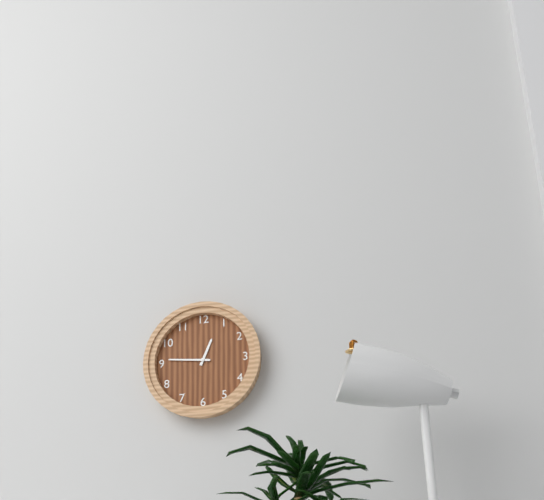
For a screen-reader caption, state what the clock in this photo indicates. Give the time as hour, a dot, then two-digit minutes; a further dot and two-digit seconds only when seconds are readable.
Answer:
12.46
